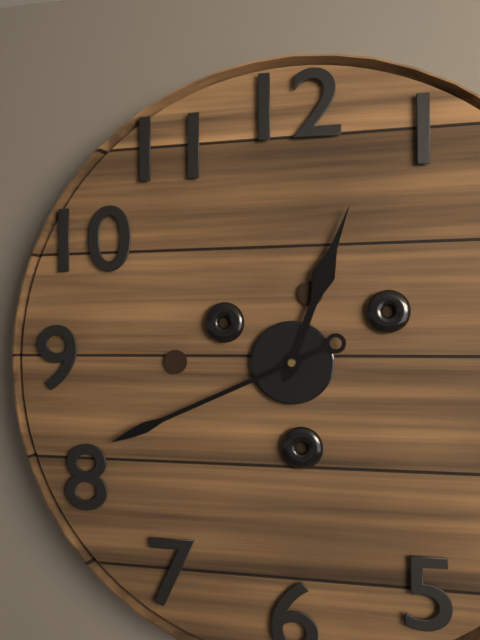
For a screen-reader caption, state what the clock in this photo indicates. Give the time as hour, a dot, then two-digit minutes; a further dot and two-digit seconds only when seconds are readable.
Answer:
12.41
